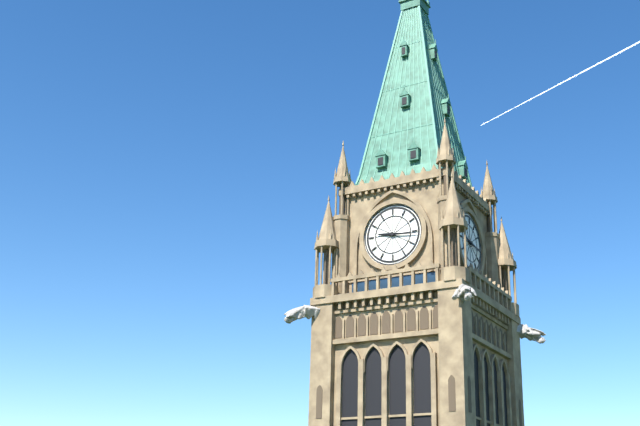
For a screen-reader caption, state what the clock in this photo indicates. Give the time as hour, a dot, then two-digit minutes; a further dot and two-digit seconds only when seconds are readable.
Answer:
9.16
